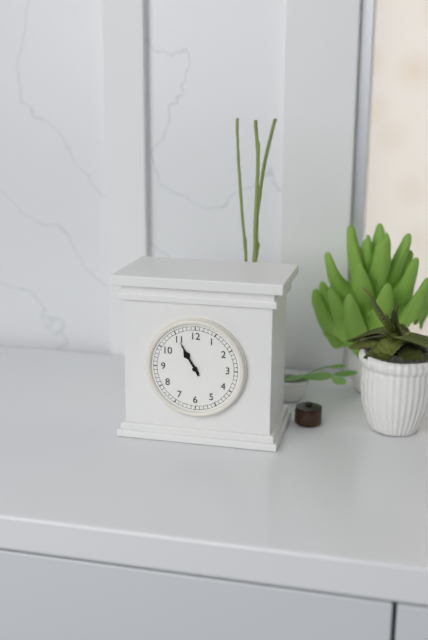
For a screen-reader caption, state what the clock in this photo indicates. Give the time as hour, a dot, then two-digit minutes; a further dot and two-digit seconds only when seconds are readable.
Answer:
10.55
